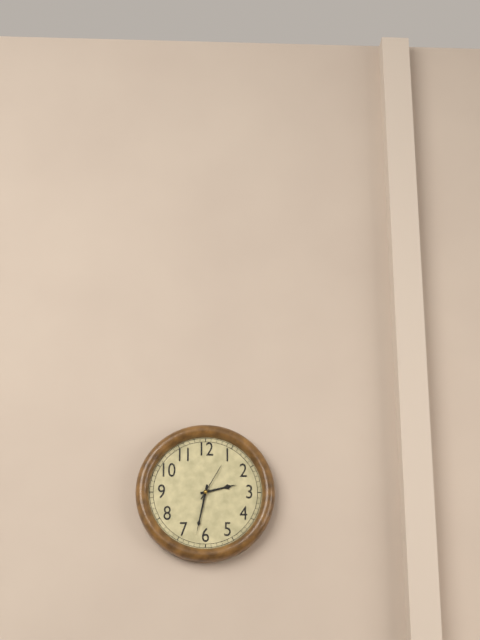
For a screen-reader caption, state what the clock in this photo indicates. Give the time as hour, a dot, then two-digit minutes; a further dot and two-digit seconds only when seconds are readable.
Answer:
2.32
